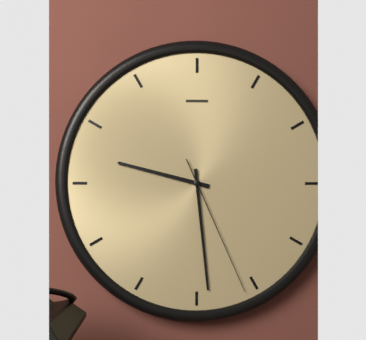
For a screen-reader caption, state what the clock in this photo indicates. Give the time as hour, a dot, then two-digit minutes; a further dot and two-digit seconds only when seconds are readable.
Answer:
9.29.26
